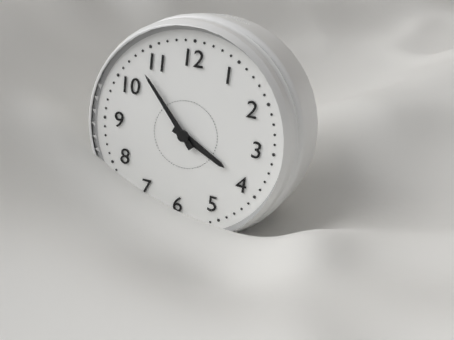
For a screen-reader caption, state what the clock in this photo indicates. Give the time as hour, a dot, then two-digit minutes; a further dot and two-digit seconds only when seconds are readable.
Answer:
3.53
